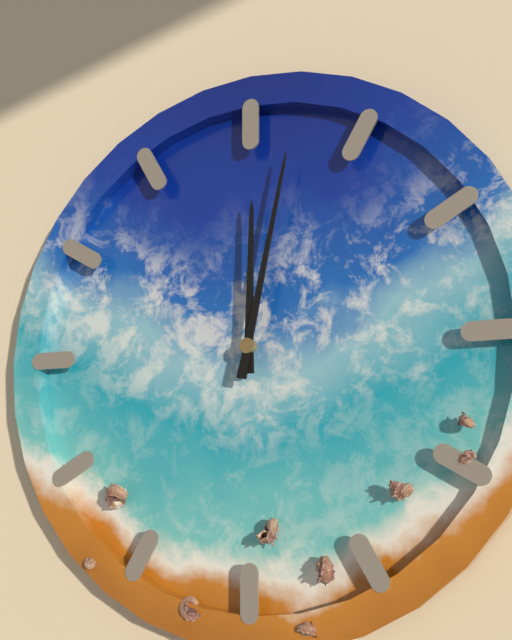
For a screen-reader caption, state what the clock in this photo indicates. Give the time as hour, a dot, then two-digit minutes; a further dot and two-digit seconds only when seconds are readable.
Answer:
12.02
